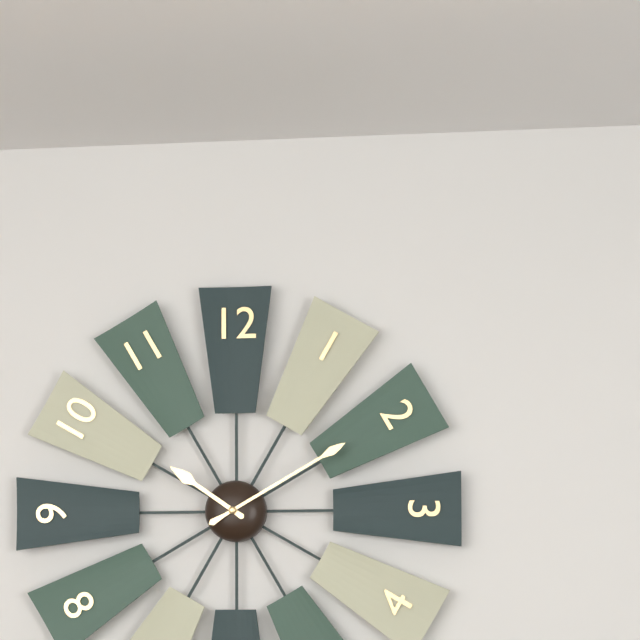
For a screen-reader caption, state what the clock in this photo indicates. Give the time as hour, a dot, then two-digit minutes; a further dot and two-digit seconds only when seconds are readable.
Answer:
10.10
